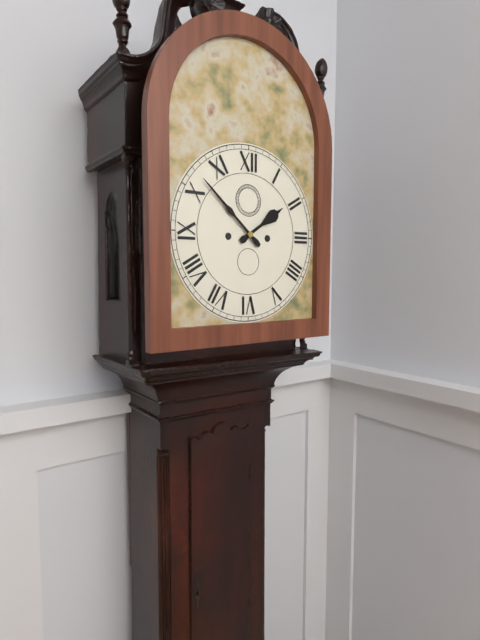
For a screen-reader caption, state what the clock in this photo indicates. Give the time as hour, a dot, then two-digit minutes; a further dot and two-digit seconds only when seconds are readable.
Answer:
1.52
